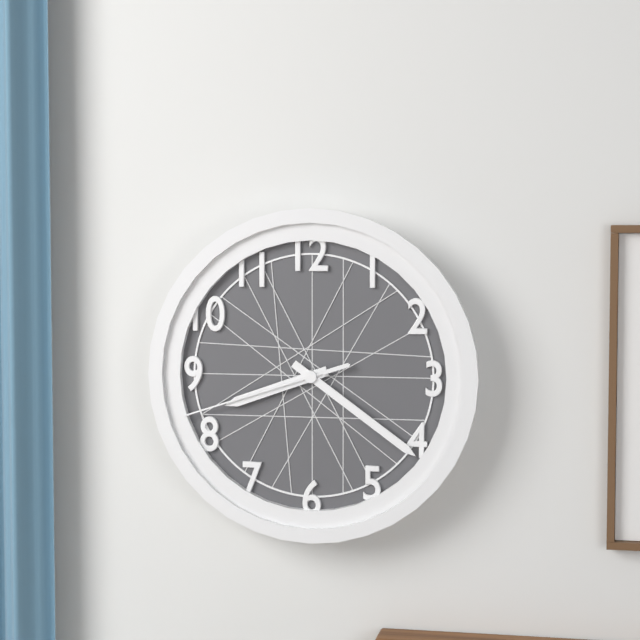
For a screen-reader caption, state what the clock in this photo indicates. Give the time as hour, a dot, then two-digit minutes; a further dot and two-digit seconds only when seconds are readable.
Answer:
8.21.42
